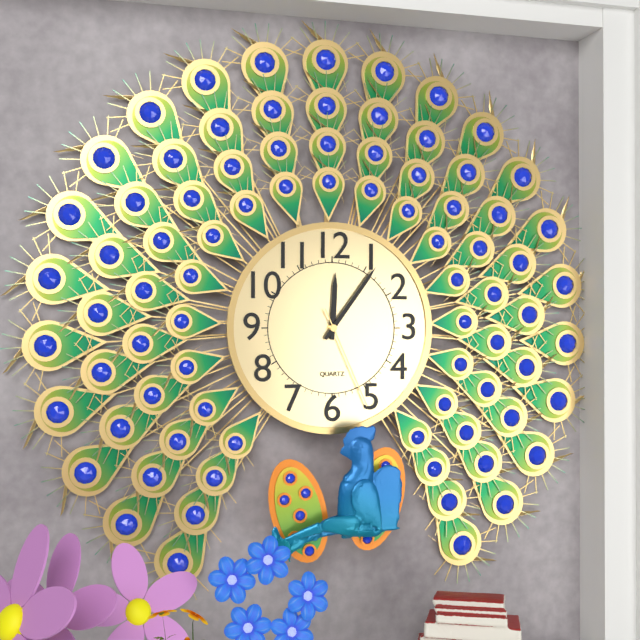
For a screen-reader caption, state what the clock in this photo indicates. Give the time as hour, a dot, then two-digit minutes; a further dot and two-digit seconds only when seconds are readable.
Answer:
12.06.26
